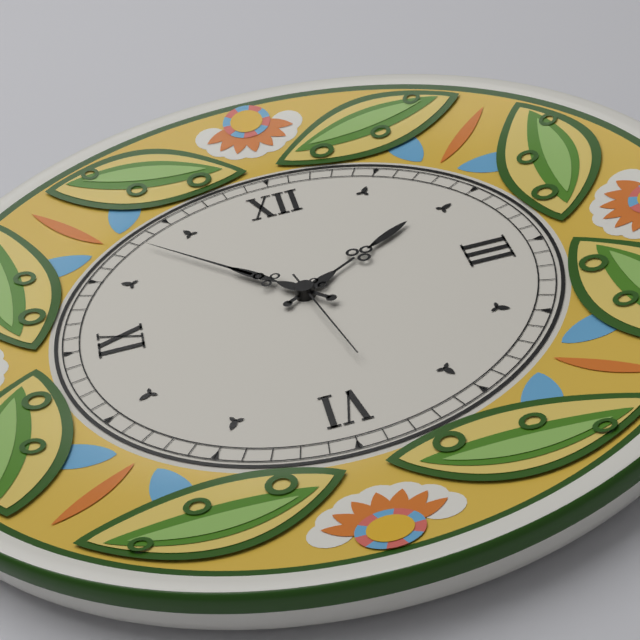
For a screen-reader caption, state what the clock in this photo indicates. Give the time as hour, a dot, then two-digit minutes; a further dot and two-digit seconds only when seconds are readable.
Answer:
1.53.28
